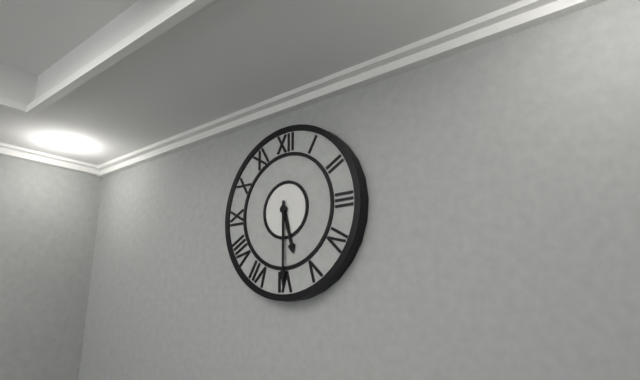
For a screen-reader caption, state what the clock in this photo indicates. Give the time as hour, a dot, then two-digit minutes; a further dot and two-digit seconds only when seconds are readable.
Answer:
5.30
